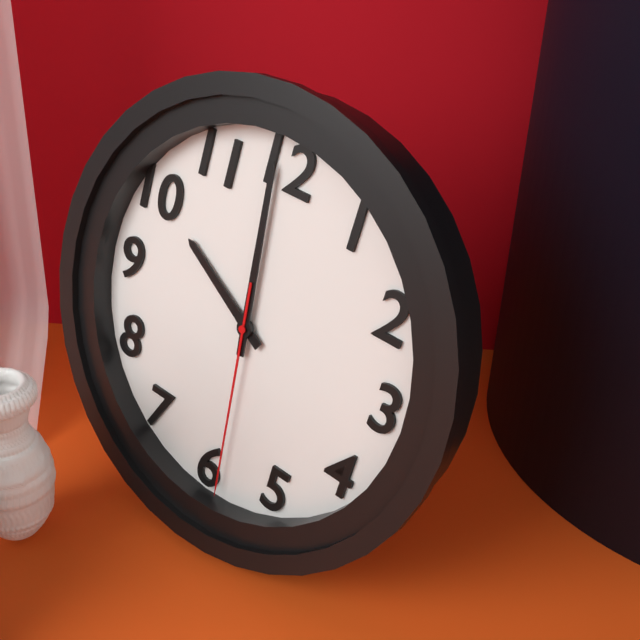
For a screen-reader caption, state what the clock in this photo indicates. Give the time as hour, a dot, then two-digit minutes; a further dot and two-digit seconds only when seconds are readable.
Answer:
9.59.29
